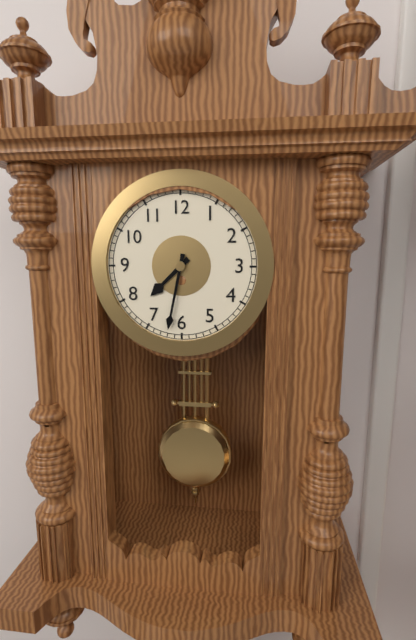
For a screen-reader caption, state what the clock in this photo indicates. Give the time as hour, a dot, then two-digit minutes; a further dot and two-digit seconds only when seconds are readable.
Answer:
7.32
